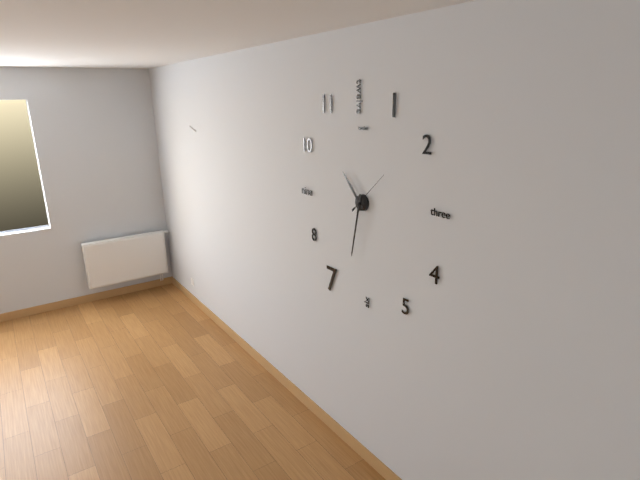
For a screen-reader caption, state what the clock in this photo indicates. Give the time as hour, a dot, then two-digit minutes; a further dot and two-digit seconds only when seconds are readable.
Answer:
10.32
